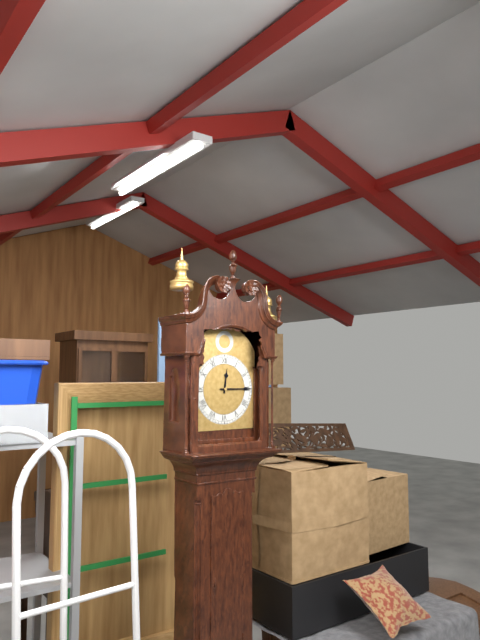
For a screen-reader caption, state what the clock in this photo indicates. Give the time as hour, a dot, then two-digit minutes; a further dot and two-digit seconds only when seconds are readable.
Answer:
12.15
